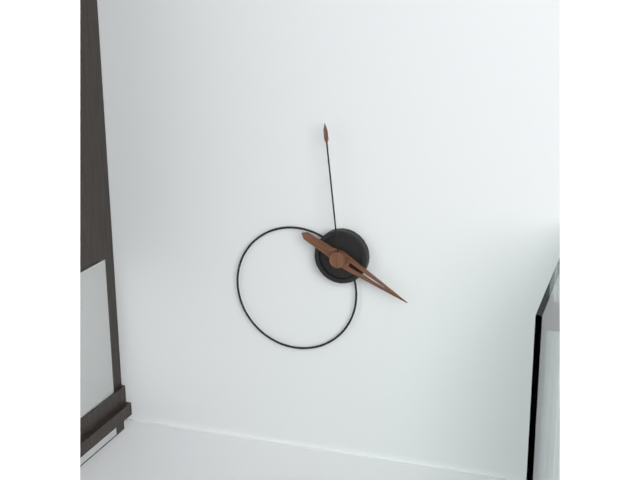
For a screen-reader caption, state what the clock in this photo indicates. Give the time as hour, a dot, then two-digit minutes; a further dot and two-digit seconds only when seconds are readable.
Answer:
3.59
